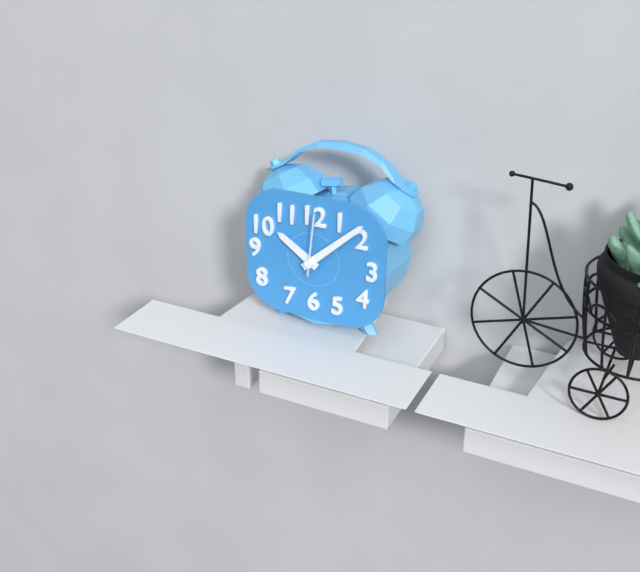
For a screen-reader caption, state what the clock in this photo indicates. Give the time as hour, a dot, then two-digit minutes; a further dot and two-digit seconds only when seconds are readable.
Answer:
10.08.01
